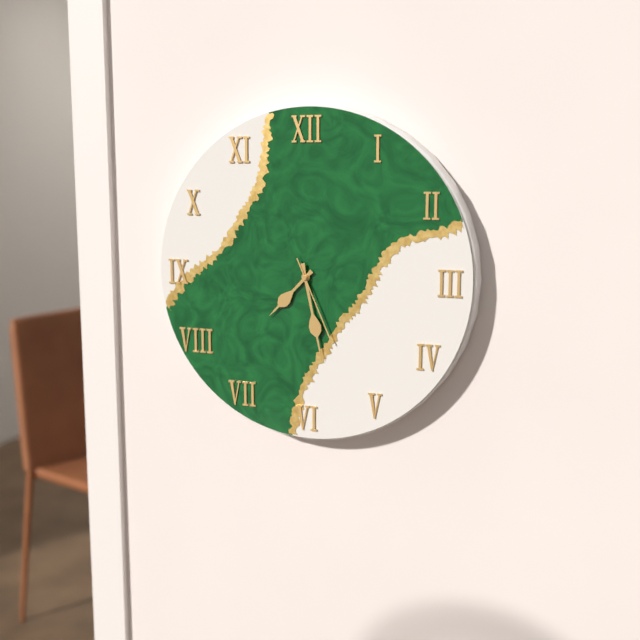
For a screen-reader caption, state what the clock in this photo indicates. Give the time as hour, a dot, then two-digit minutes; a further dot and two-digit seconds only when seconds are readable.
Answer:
7.28.26
